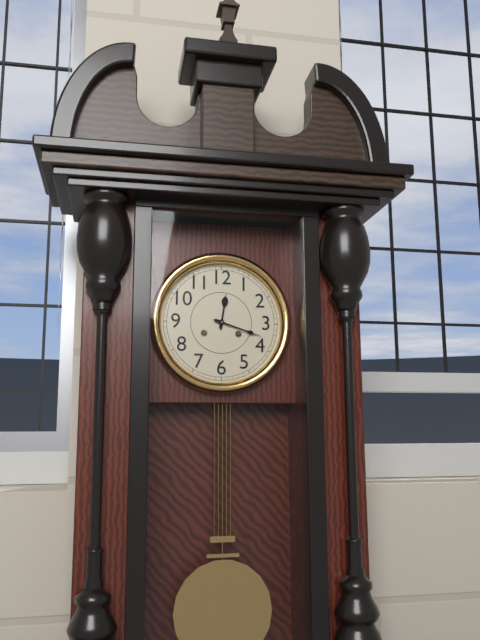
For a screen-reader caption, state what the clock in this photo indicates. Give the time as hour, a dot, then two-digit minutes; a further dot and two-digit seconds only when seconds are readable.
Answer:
12.18
